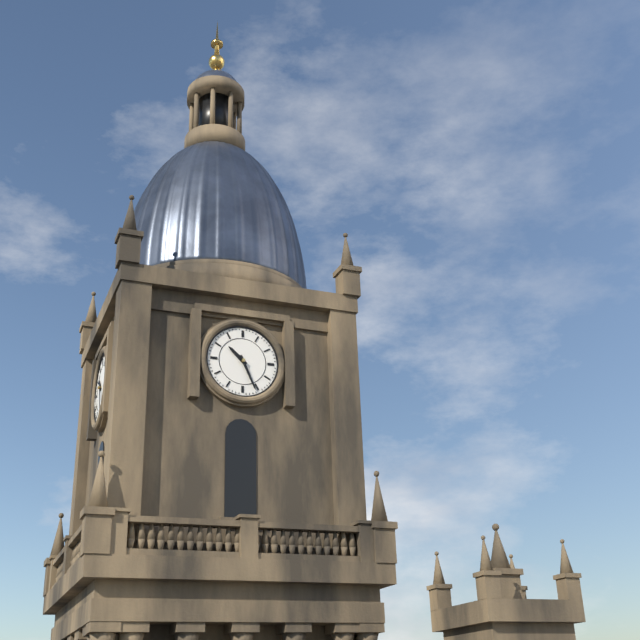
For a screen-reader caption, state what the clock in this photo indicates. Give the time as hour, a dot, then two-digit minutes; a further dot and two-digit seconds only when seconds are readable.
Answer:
10.26
